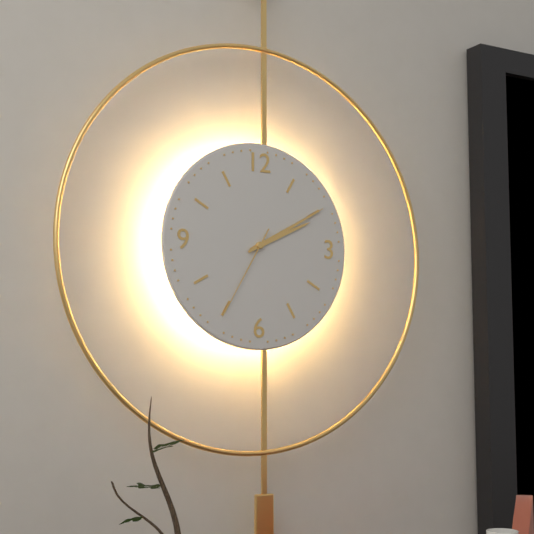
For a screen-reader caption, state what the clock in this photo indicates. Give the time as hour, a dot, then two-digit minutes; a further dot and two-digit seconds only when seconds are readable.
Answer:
2.10.35
